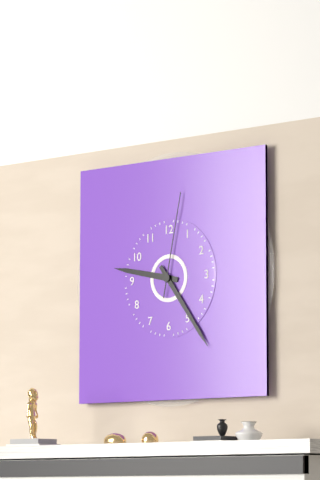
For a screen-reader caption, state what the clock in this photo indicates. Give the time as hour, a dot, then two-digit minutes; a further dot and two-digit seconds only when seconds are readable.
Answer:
9.24.02
